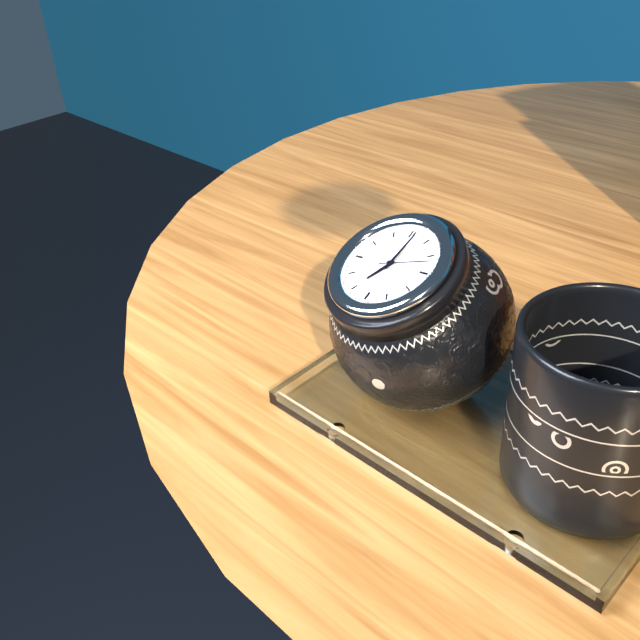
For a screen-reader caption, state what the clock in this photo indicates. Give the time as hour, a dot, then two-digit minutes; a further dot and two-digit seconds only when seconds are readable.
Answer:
7.01.12
